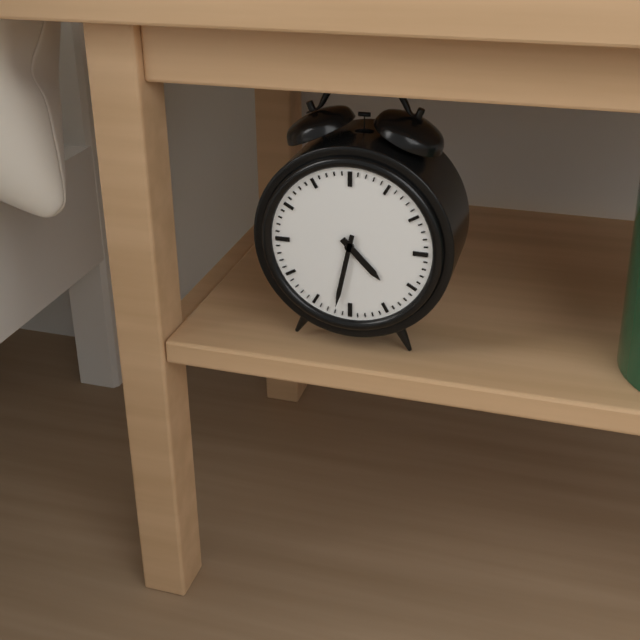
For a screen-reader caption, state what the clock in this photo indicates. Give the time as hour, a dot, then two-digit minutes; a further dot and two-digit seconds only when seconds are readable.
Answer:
4.32
